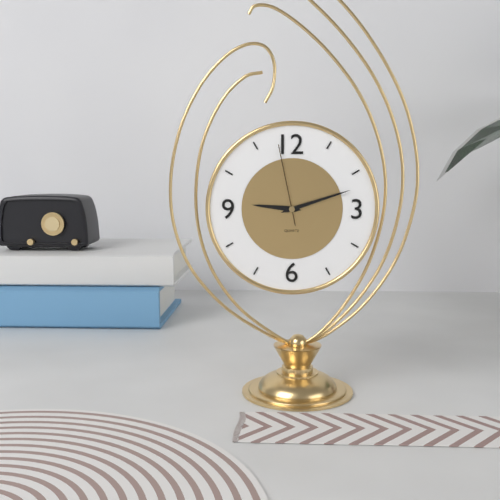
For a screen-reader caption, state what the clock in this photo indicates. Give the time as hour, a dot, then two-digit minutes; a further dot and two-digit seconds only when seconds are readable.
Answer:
9.12.58
